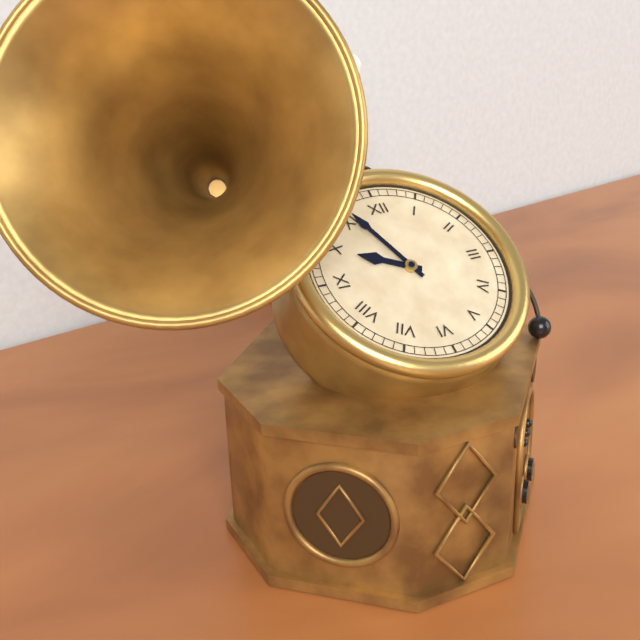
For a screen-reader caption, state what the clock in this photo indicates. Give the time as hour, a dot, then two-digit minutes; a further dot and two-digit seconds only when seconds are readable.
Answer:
9.56
